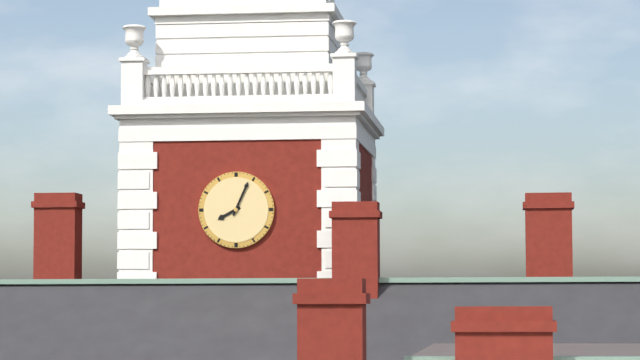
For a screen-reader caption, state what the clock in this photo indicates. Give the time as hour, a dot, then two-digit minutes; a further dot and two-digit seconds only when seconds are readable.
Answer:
8.04
